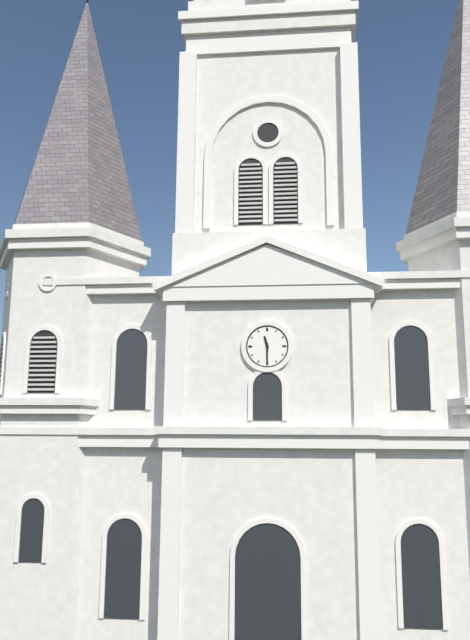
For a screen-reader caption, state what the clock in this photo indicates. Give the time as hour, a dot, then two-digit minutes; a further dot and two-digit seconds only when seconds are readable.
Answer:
11.30
